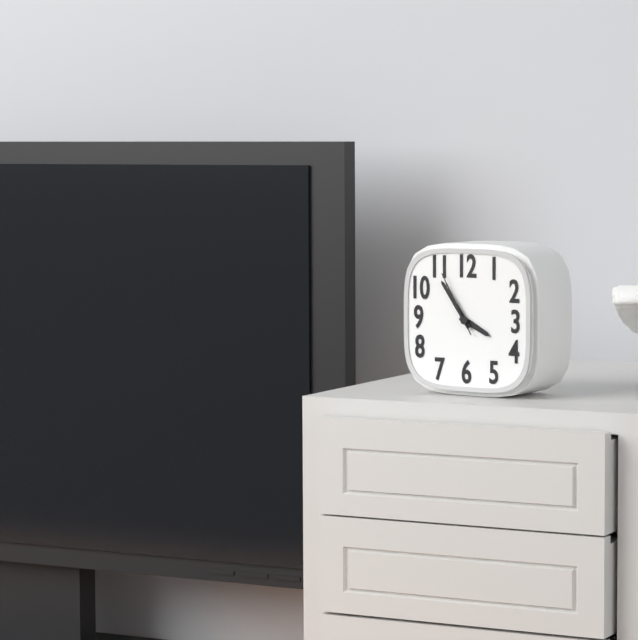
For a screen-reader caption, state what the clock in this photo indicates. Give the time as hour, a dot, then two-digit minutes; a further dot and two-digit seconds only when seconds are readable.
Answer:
3.54.55
